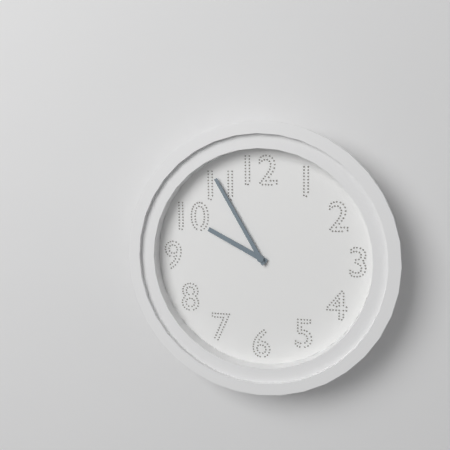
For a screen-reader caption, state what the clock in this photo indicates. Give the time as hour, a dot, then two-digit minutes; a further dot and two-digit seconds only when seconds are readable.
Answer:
9.55
